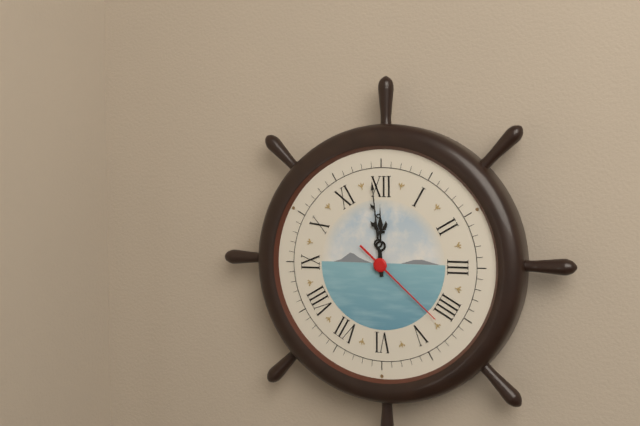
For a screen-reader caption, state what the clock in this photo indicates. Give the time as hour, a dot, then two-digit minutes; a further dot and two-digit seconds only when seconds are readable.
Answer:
11.59.22
